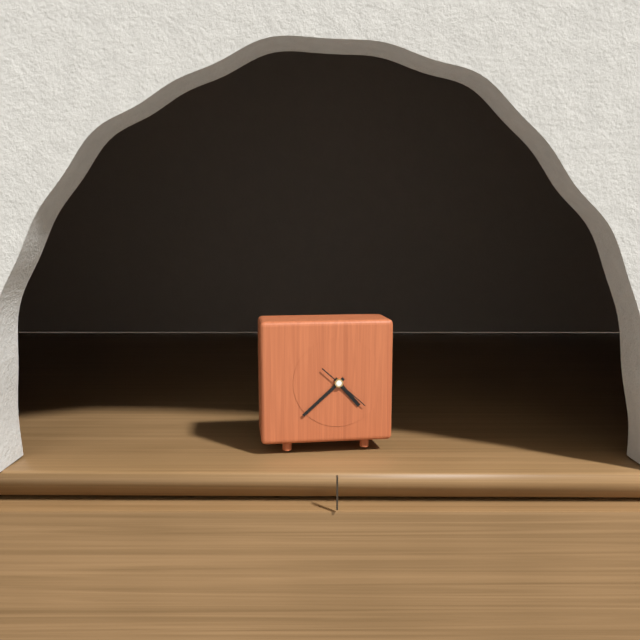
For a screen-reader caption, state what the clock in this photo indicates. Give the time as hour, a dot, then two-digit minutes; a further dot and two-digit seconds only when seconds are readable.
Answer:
4.38
